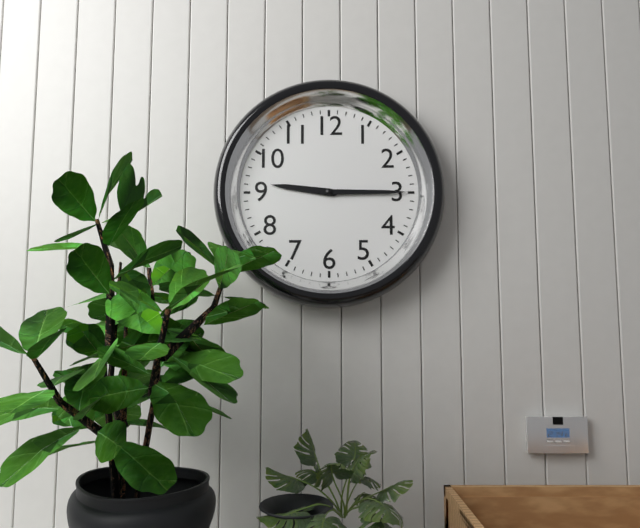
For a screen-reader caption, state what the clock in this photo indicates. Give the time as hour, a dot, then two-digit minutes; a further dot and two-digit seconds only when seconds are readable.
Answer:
9.15
